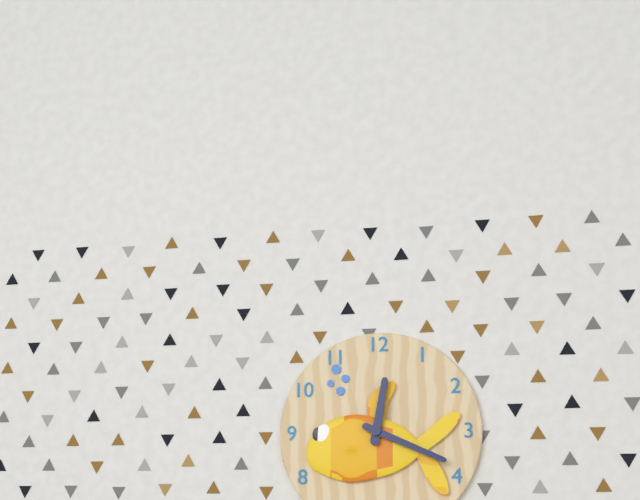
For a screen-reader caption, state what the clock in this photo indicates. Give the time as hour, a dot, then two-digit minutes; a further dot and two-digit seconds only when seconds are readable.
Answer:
12.19
